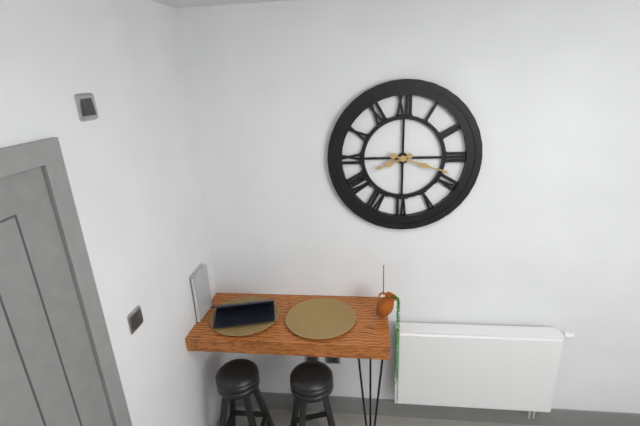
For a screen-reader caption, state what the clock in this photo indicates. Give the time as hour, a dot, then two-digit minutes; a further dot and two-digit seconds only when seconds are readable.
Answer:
8.18
